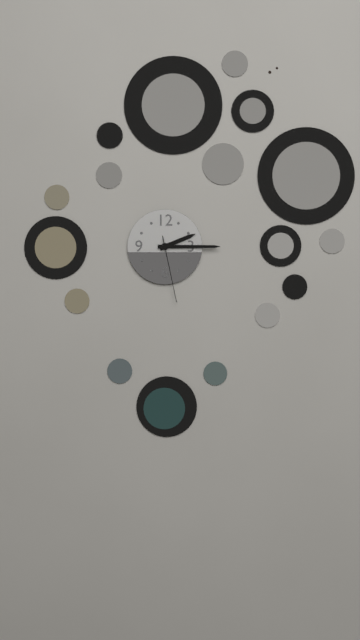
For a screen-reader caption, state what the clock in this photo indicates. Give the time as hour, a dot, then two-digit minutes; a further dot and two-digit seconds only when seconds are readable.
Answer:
2.15.28
